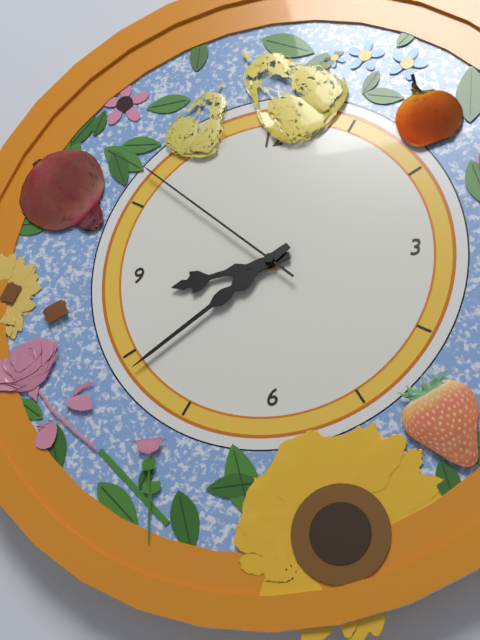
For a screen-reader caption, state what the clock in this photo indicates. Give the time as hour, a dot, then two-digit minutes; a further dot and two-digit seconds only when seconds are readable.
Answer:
8.39.52
